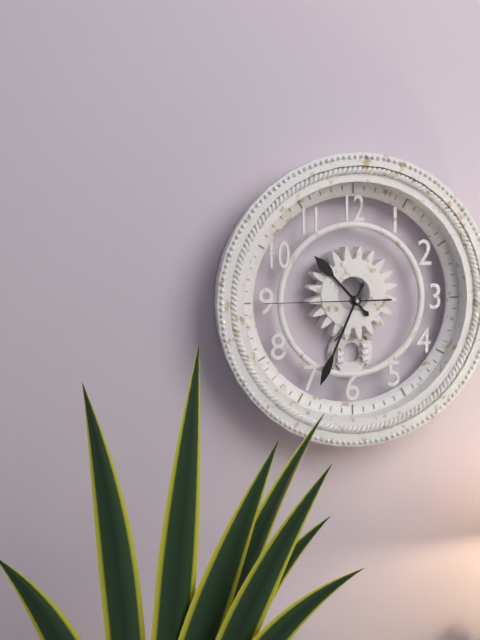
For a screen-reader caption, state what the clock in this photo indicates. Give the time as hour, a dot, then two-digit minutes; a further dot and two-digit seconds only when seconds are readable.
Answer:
10.34.45
